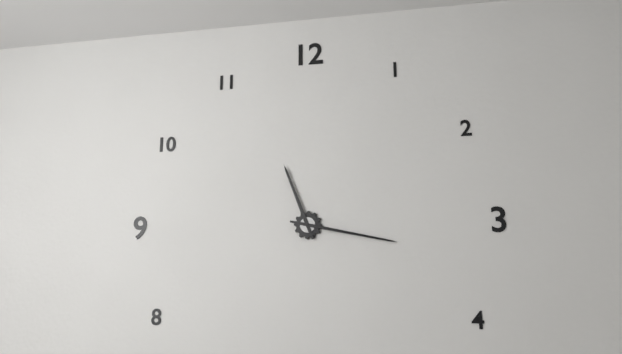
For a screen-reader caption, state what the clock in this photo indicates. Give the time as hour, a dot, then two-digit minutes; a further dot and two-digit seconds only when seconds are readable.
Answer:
11.17
